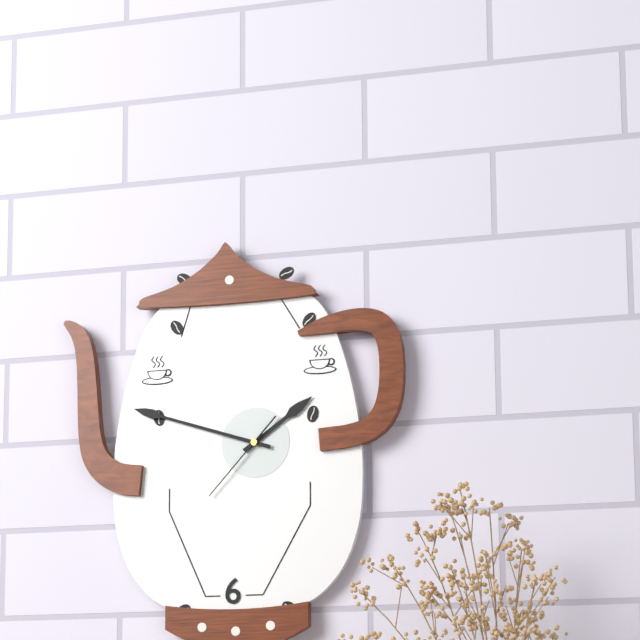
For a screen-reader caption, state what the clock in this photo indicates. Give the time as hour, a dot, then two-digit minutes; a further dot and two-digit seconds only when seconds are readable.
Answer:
1.48.37
